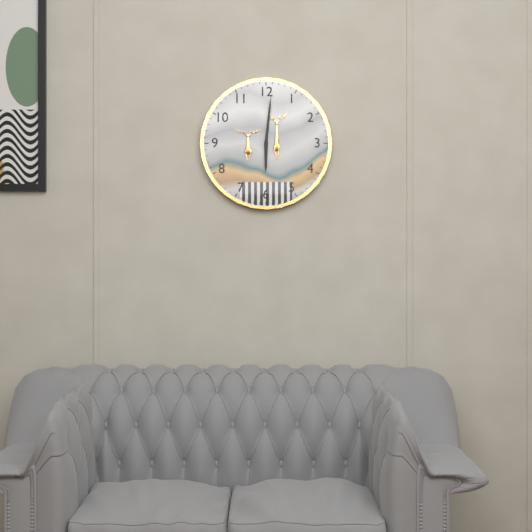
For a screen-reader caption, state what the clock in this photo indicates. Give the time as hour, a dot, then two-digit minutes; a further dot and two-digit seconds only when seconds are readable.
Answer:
6.01
